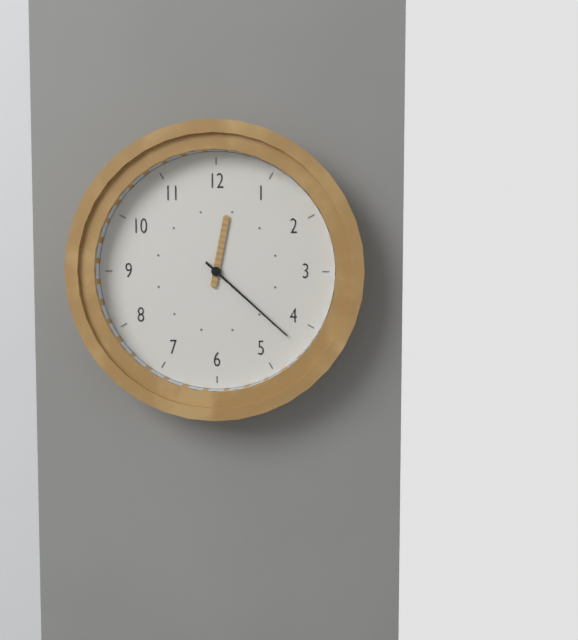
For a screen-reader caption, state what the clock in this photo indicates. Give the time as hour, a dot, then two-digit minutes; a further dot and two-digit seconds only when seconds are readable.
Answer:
12.22
